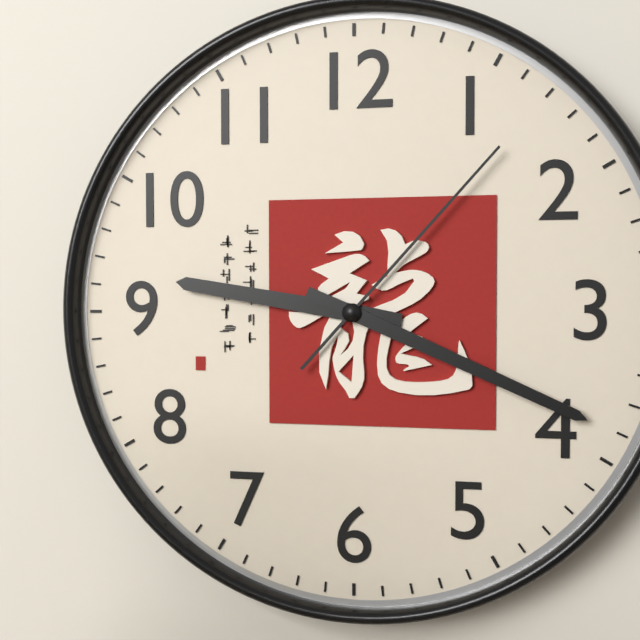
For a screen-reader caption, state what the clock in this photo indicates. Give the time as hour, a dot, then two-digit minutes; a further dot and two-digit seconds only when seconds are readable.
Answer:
9.19.07
